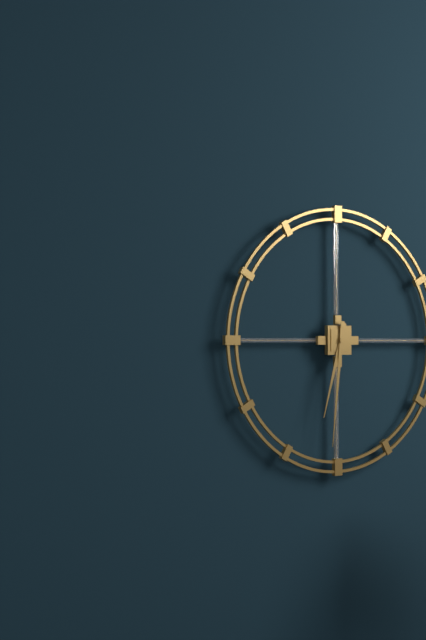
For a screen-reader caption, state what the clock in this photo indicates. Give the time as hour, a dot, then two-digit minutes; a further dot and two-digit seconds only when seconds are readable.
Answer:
6.31
